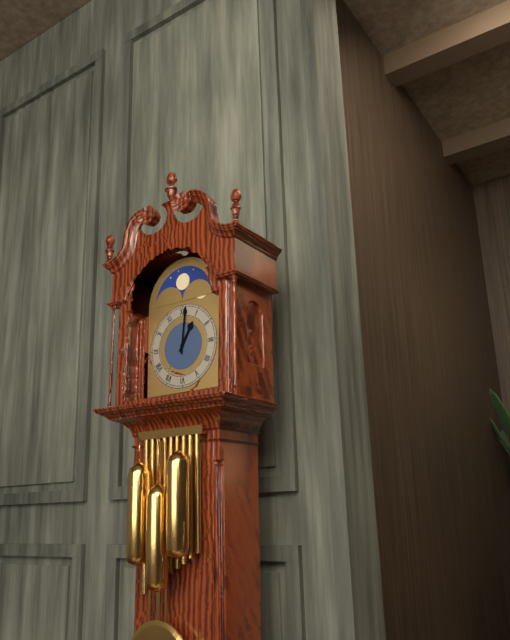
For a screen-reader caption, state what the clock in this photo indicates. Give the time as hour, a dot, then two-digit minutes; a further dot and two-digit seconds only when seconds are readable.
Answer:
1.01
